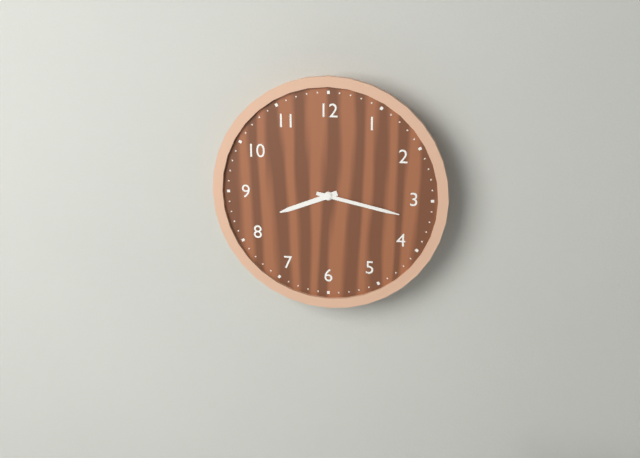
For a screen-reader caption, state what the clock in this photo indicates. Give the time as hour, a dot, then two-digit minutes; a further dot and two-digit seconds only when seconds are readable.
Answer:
8.17
